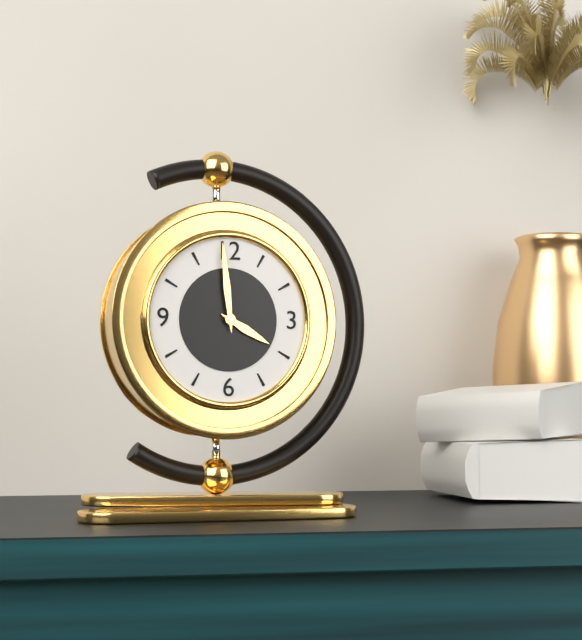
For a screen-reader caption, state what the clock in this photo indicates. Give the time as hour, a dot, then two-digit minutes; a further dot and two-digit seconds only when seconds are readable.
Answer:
3.59
